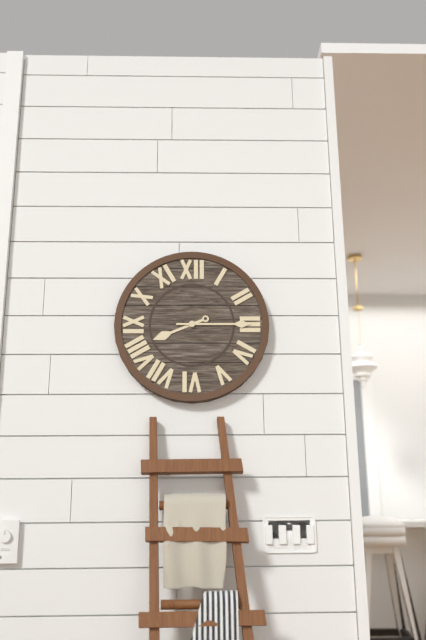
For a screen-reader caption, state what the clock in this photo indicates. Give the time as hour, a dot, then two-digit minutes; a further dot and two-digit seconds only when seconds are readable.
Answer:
8.15
